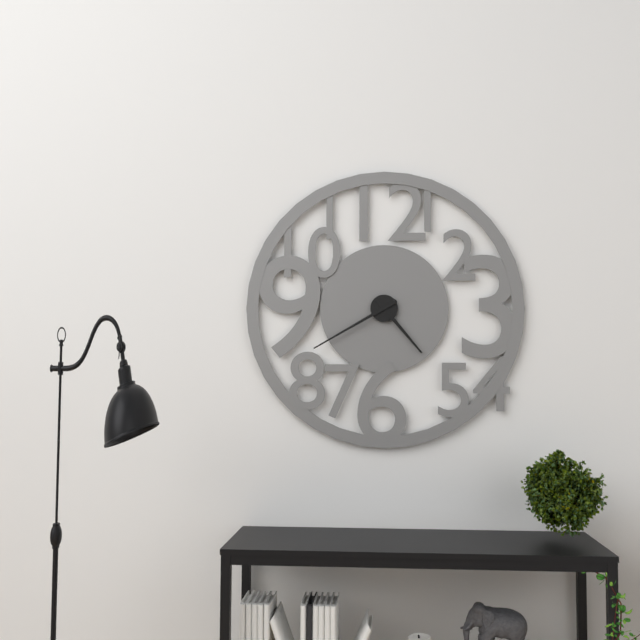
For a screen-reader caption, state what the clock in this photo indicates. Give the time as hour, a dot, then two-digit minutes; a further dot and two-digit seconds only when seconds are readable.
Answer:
4.40
